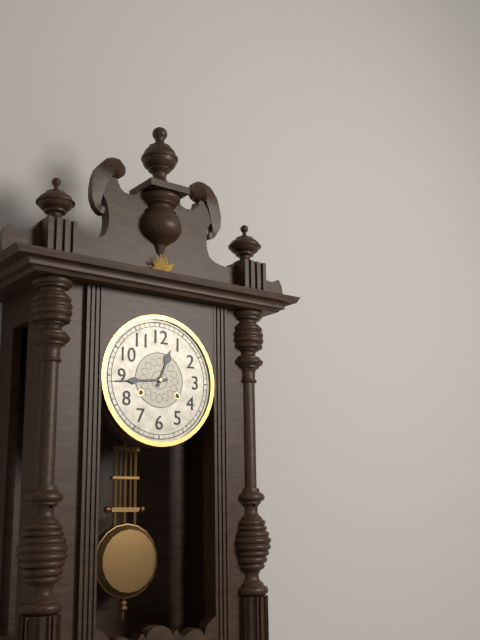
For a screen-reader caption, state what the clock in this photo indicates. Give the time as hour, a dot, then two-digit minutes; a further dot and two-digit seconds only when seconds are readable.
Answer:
12.44
